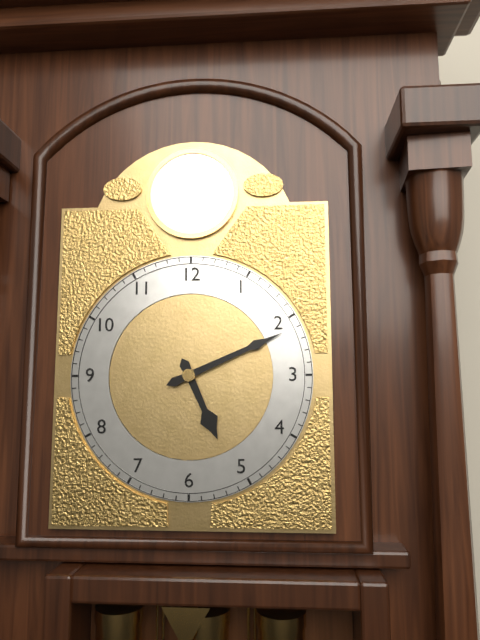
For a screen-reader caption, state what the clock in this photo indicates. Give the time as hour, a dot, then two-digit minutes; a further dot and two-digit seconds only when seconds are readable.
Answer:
5.11
